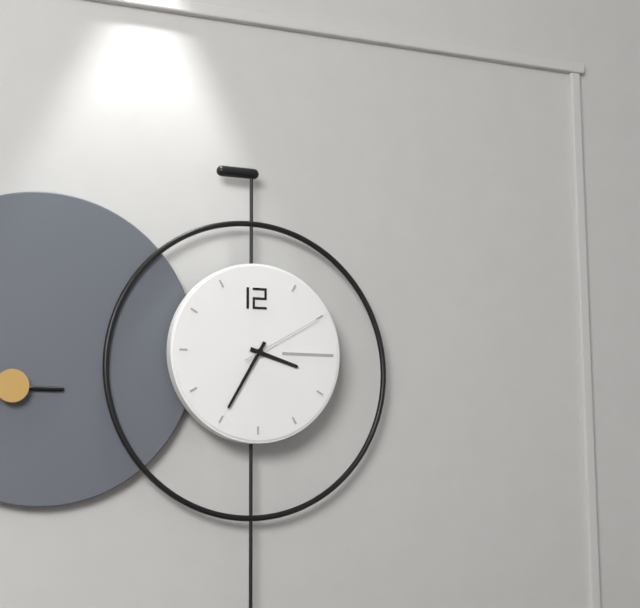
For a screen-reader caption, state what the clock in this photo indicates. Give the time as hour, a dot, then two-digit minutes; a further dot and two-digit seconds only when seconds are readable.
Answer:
3.35.10
